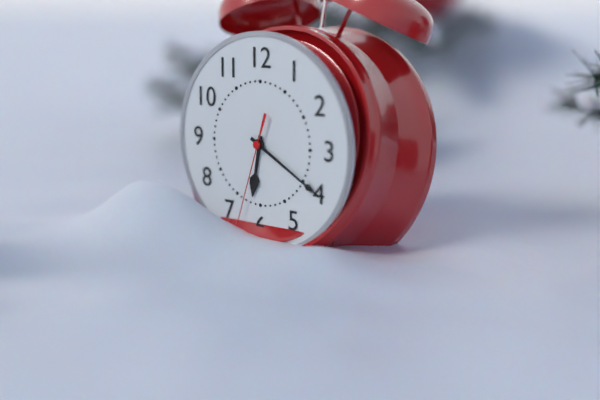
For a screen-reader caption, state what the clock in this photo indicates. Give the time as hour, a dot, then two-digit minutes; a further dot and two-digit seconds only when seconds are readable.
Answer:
6.20.33
